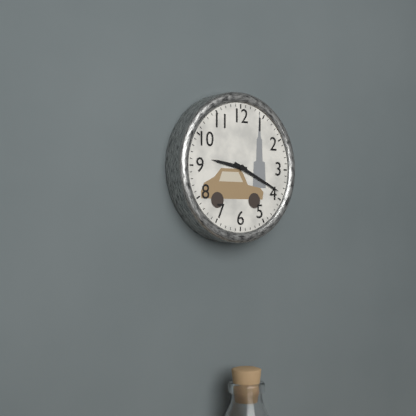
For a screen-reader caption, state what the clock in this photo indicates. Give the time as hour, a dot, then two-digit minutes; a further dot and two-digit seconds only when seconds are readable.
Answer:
9.19
